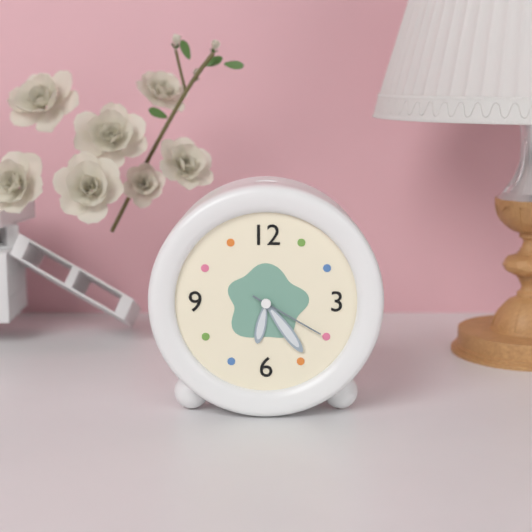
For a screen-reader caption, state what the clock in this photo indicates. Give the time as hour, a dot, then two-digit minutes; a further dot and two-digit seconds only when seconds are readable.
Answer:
6.24.20
